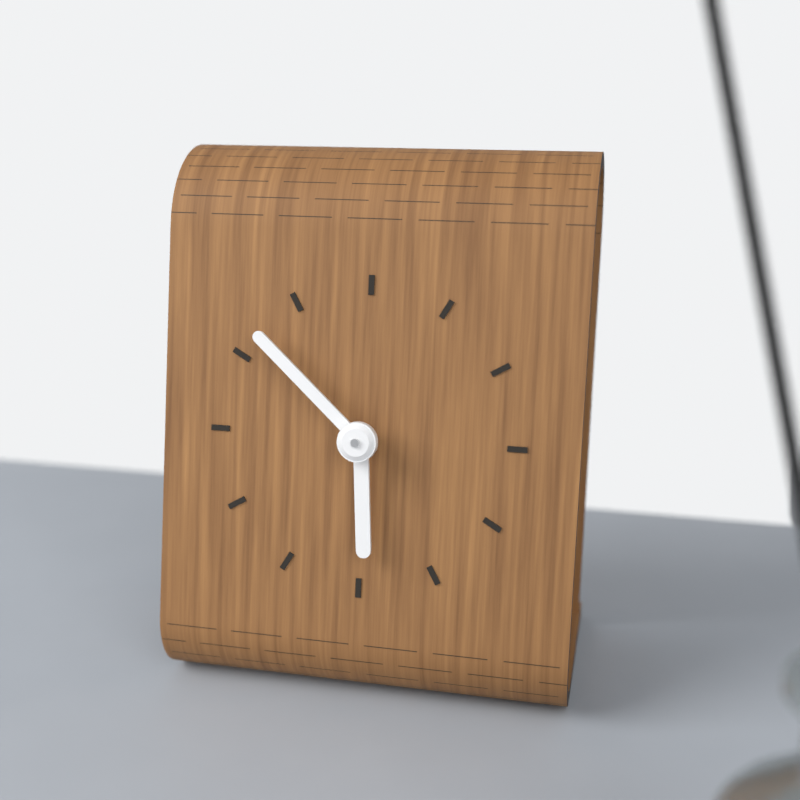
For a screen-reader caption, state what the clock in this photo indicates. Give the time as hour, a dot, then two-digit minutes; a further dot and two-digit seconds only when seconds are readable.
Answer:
5.52
